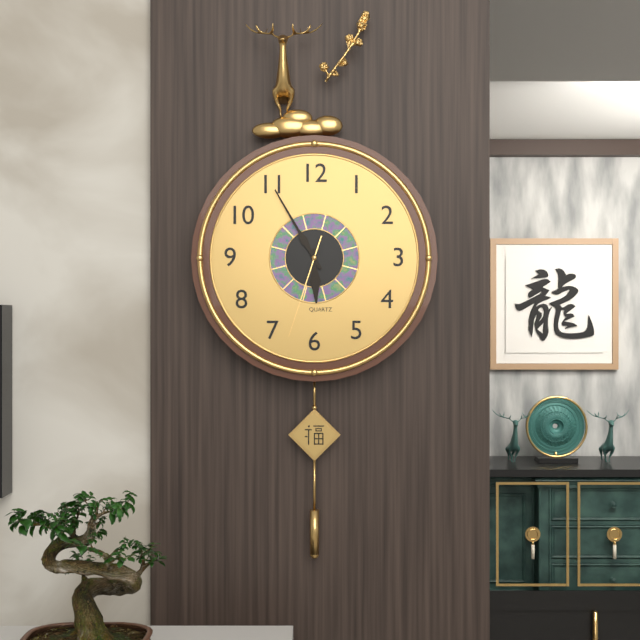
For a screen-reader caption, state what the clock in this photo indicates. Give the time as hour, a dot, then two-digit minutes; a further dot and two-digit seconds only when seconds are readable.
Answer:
5.55.33
